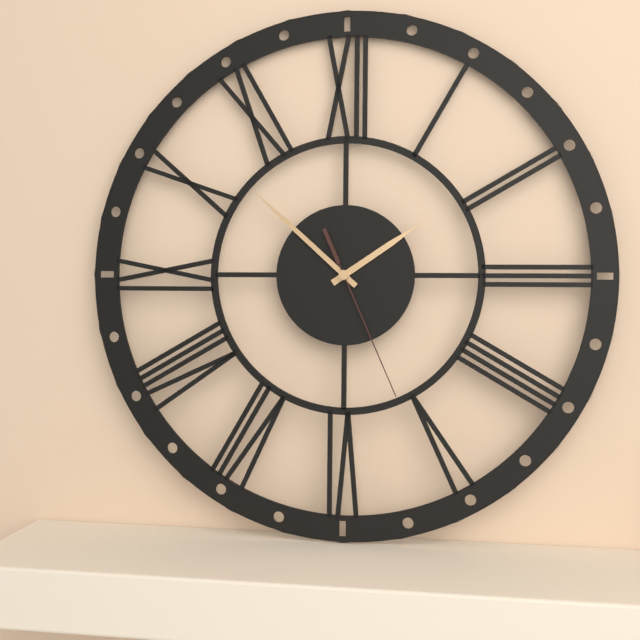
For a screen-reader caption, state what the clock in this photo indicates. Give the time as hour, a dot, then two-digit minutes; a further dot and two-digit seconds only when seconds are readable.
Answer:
1.52.26
